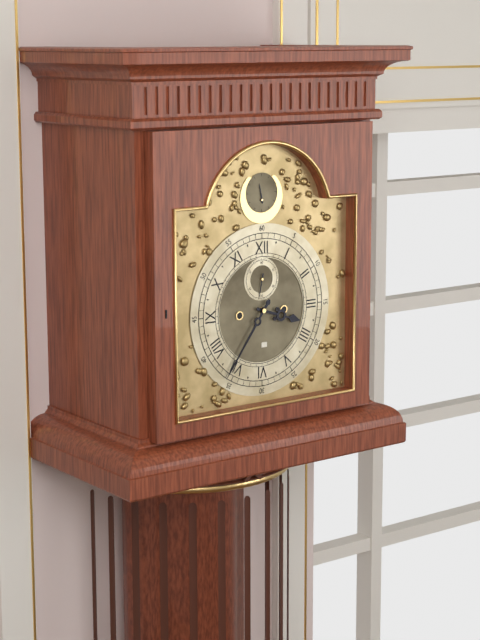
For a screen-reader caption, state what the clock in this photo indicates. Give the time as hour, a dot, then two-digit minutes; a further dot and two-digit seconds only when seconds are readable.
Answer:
3.36
